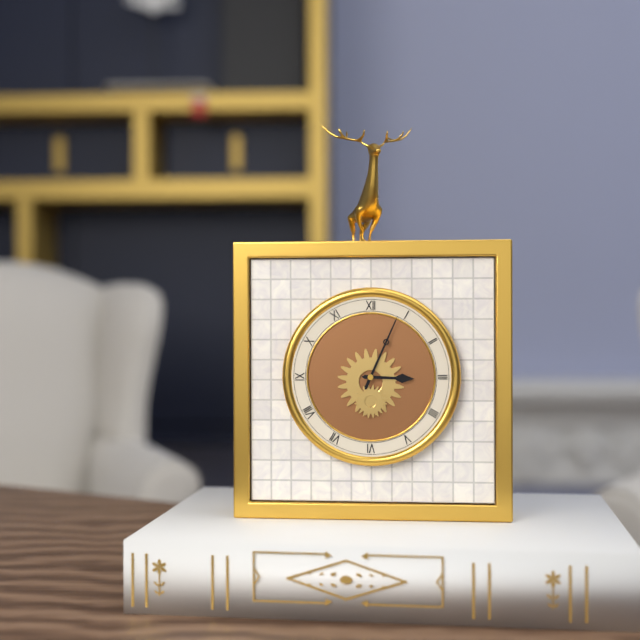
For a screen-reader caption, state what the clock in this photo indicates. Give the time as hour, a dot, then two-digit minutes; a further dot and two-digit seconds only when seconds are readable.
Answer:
3.04
